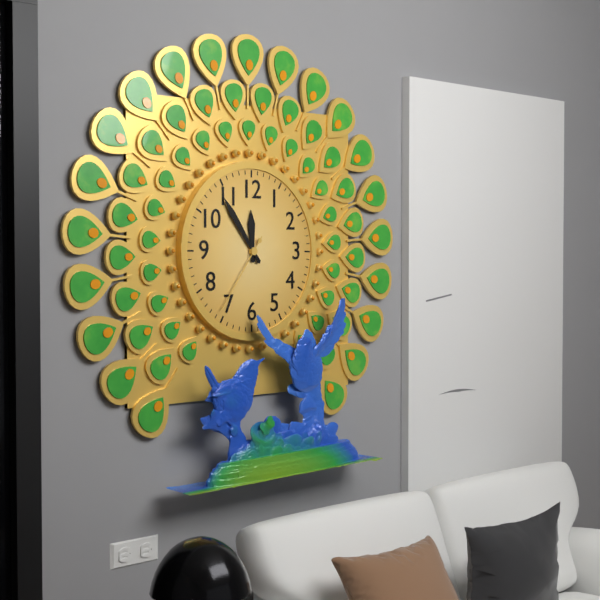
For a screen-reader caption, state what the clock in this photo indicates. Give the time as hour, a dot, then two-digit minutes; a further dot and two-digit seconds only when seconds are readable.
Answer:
11.54.36
